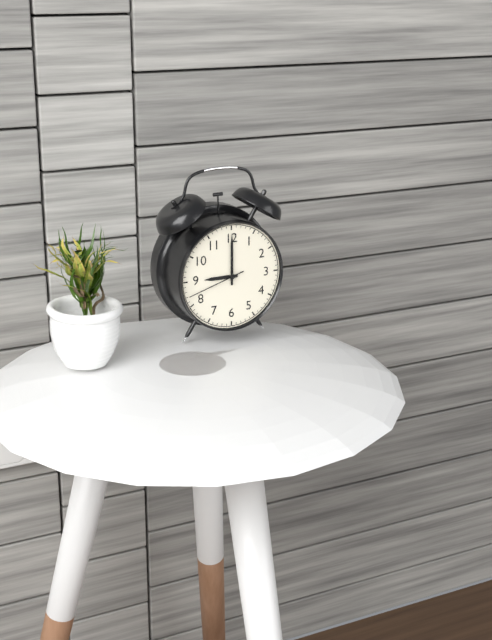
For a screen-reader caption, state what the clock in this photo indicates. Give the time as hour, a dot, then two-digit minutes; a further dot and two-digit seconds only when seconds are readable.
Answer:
9.00.42
